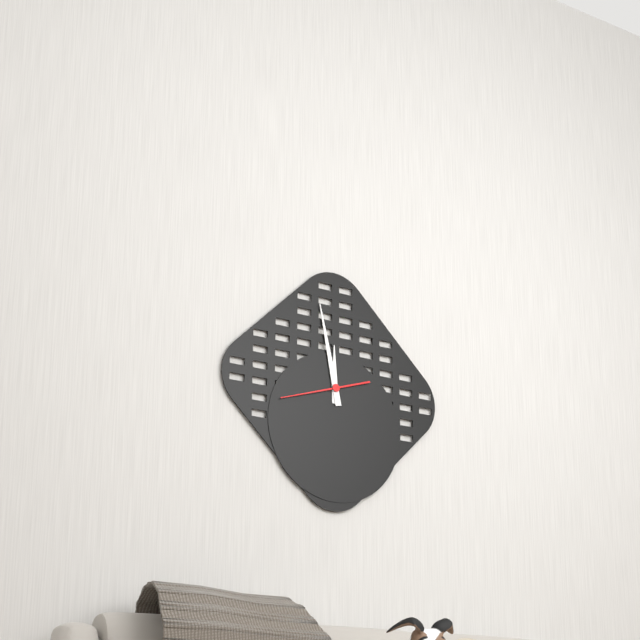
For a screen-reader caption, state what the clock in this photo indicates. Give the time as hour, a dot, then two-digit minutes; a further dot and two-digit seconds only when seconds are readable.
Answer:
11.58.42
